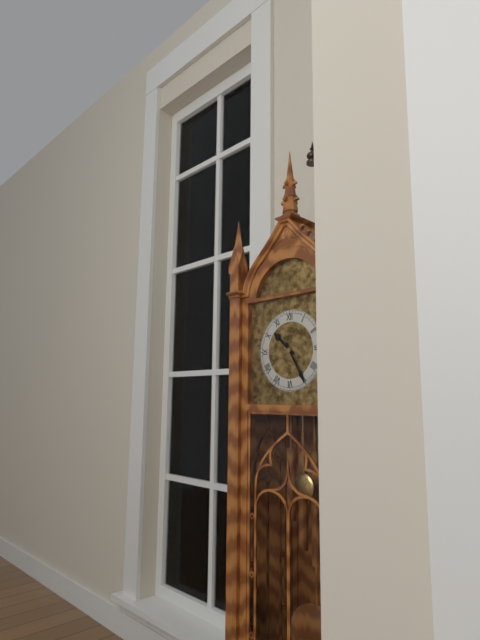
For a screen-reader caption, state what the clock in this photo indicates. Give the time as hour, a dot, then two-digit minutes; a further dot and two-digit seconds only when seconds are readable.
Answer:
10.25
